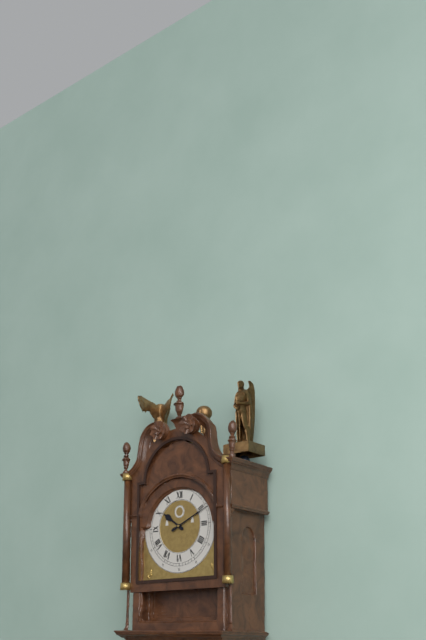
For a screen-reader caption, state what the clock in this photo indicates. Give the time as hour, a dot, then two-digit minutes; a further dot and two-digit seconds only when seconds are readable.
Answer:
10.11
